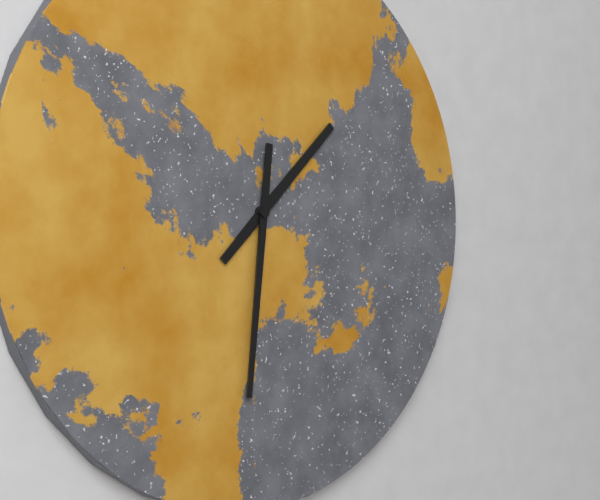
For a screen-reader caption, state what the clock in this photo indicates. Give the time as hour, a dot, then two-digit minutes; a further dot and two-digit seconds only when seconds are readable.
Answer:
1.31
